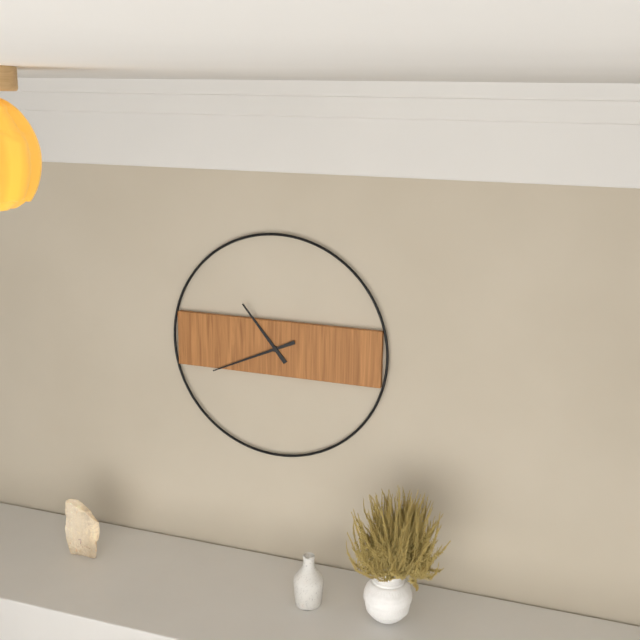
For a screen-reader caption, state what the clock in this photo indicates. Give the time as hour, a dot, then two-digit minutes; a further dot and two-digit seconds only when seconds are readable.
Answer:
10.41
